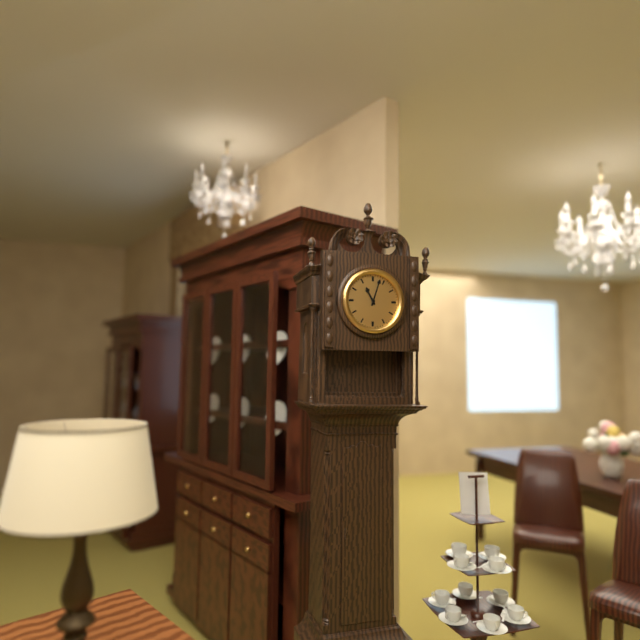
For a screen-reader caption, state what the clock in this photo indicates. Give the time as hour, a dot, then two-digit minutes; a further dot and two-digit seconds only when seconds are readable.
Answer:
11.03
